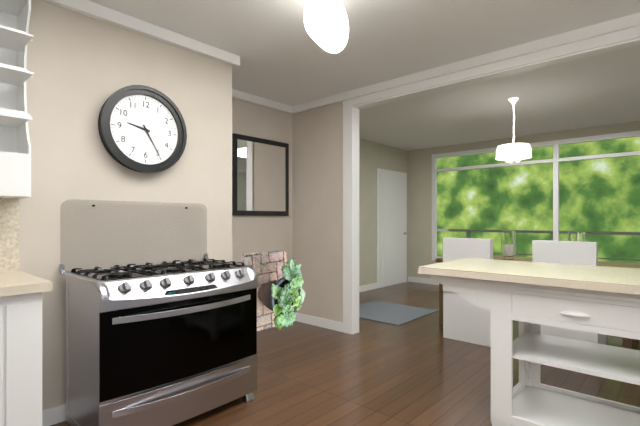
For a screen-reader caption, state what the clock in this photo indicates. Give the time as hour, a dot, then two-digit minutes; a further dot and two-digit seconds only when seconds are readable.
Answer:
9.25
